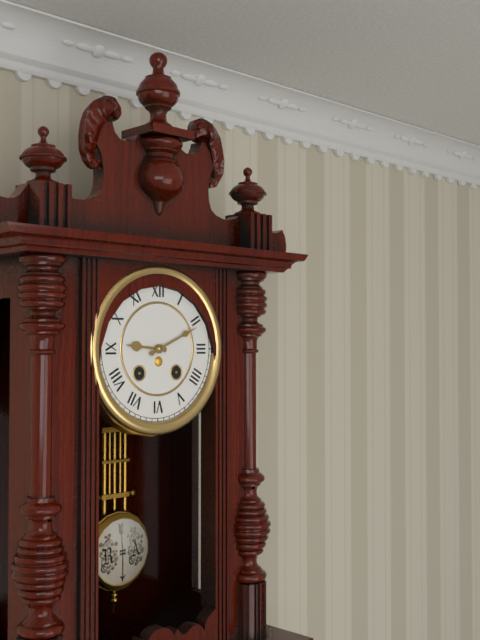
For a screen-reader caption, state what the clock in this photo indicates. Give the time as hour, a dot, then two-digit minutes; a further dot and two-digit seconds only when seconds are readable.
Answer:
9.11
